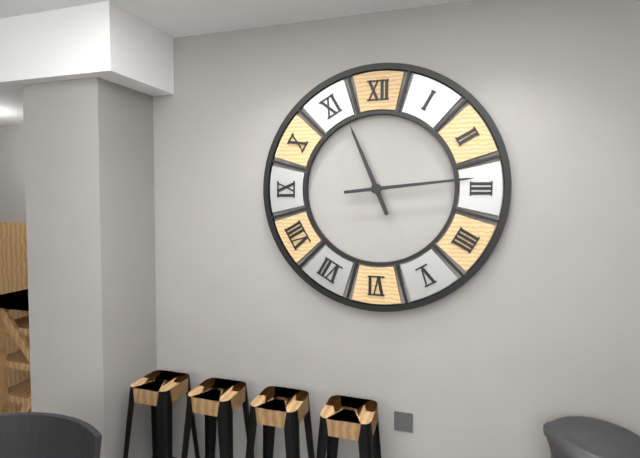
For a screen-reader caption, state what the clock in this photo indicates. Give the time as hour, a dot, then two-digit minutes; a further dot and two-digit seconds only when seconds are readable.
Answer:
11.14
